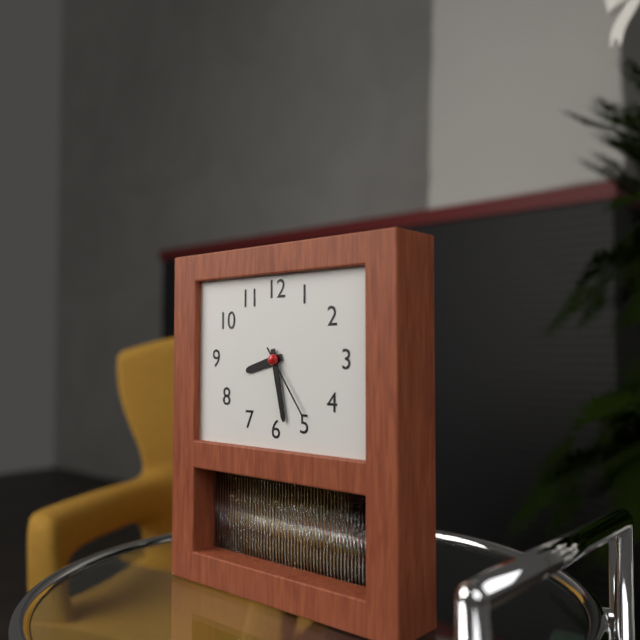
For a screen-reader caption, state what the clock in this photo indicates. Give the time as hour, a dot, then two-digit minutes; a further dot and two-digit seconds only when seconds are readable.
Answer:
8.28.24
